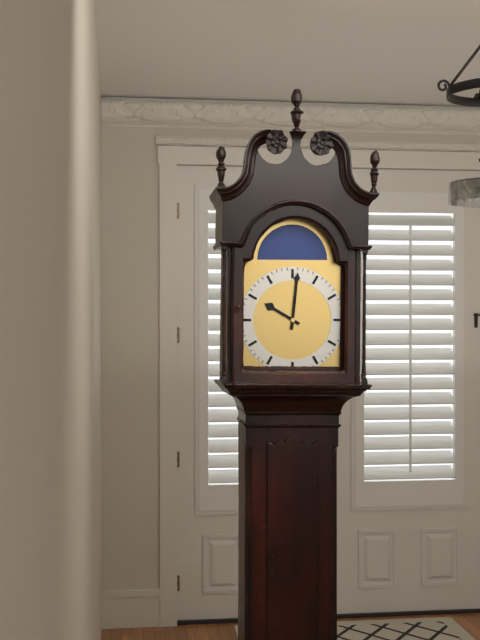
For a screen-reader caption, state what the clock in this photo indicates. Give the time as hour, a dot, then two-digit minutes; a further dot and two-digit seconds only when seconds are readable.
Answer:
10.01
